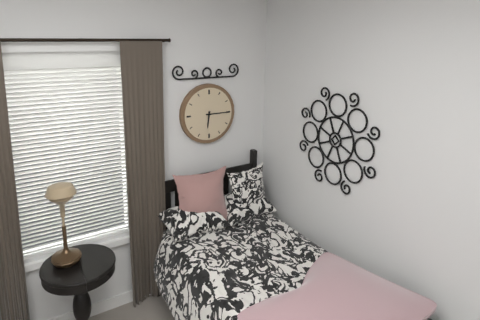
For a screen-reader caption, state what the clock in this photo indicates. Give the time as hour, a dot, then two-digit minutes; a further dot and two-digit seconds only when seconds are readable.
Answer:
6.15
